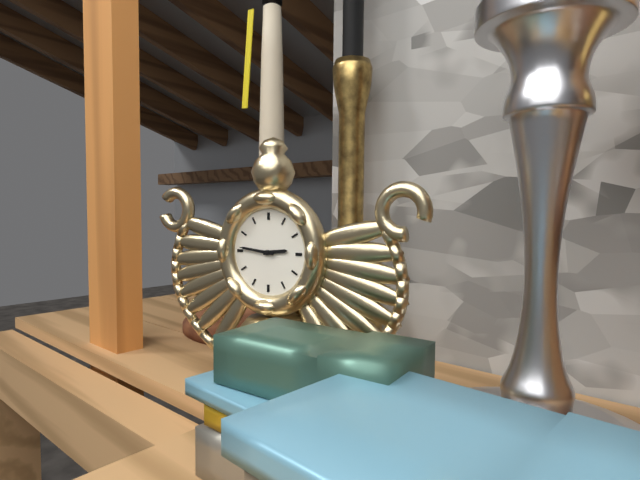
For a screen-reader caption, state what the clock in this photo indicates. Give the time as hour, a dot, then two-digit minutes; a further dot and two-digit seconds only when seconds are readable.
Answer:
2.46
